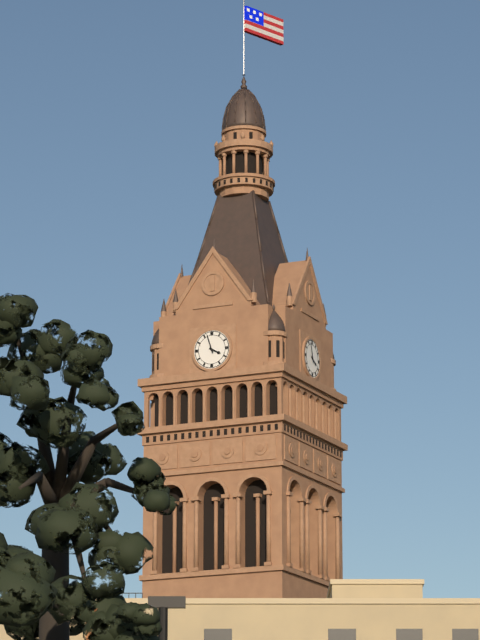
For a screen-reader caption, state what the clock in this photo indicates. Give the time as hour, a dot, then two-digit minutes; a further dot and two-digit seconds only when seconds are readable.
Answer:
3.57
